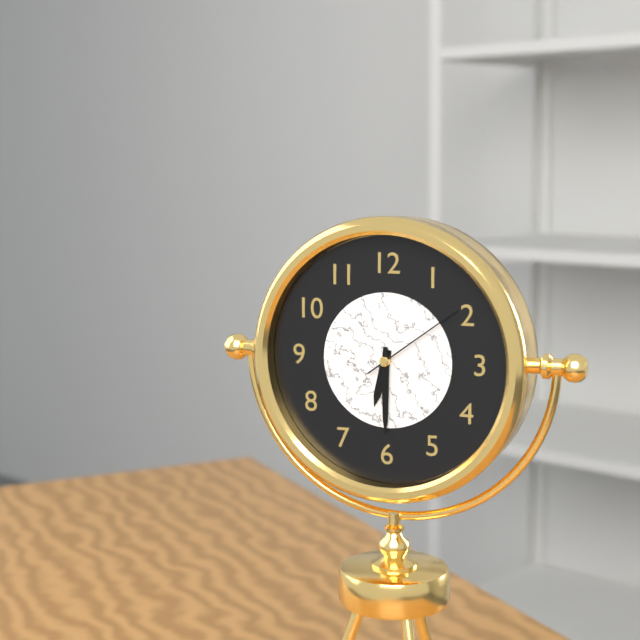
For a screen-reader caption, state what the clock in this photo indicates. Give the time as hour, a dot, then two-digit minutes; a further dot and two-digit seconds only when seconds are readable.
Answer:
6.30.09
